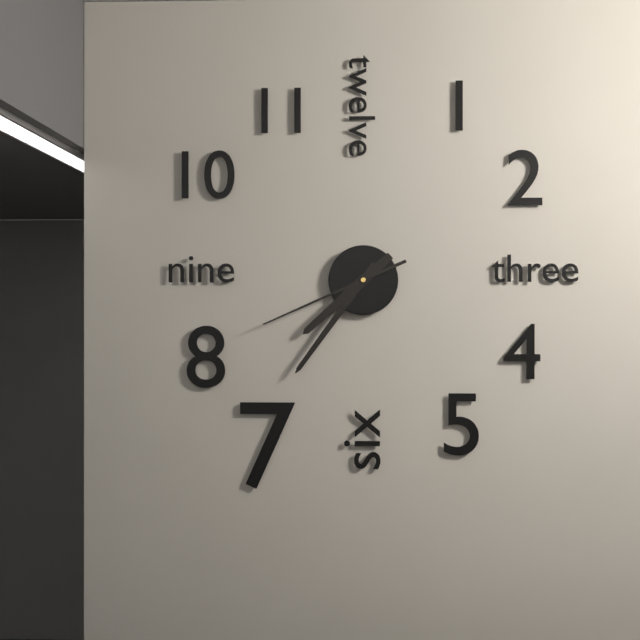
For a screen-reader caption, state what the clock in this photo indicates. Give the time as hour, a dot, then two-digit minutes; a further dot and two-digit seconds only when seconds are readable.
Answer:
7.36.41
